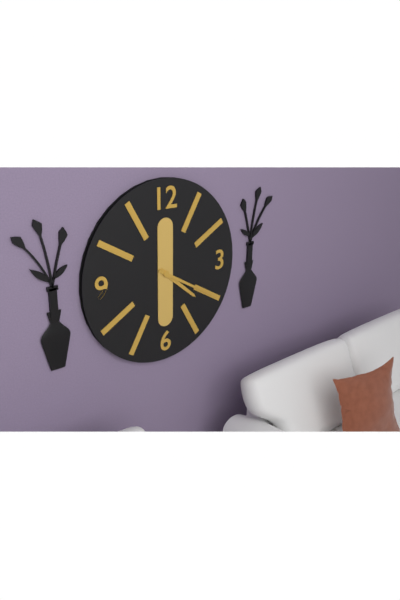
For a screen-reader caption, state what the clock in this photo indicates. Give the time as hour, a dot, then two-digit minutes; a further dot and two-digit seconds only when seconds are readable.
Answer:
4.20
